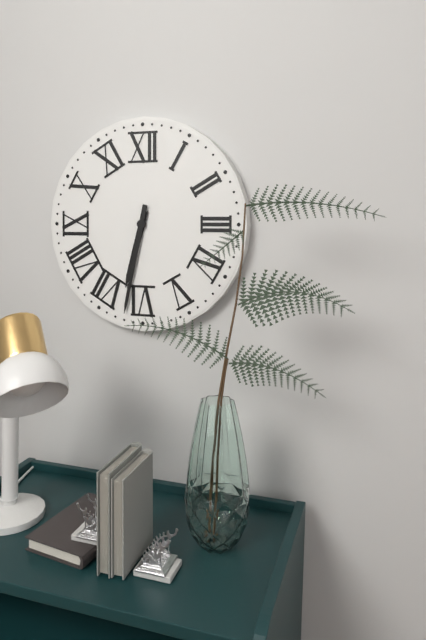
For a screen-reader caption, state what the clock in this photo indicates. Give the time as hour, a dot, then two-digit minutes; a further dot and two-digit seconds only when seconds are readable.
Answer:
6.32
